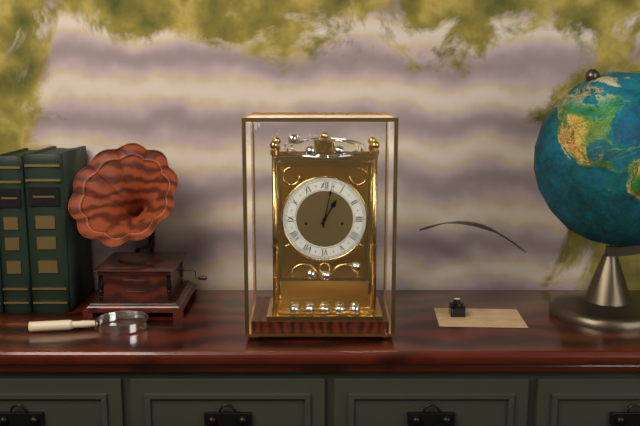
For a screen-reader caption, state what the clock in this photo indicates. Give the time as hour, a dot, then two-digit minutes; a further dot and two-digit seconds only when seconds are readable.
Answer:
1.02
